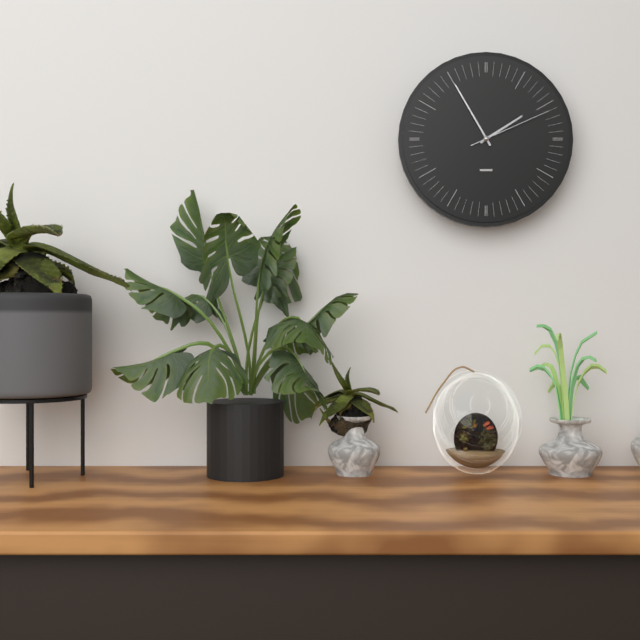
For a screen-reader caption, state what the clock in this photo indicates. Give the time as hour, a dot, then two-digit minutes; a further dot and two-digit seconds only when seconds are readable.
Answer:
1.55.11
